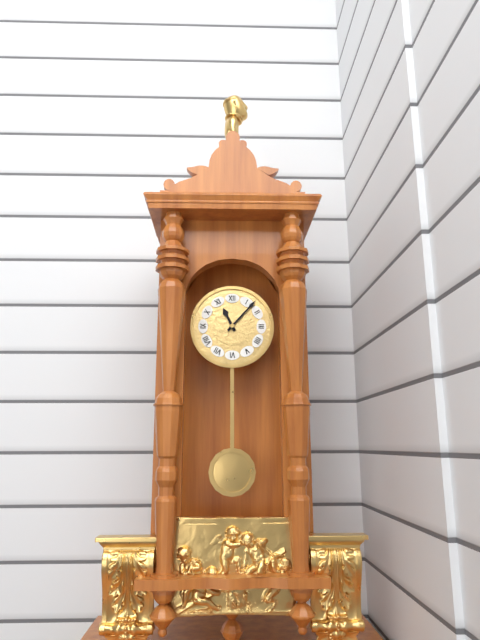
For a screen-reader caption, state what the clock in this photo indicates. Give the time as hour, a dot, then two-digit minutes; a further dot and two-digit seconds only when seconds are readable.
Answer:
11.07
